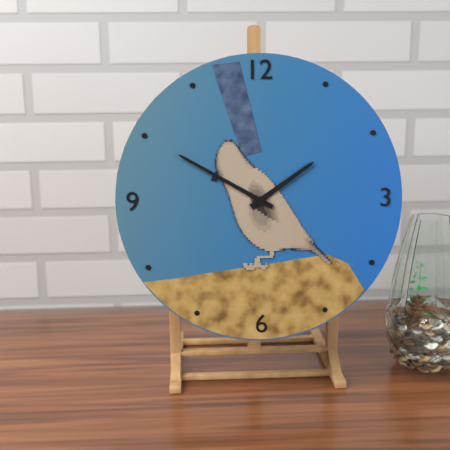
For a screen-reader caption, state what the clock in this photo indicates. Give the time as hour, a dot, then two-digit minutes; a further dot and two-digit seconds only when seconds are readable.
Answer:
1.50
